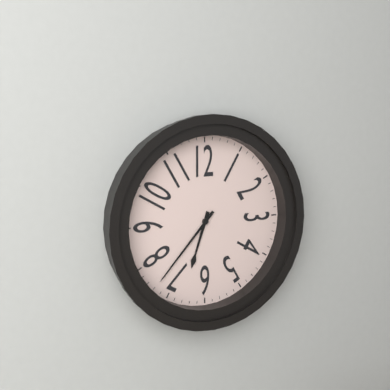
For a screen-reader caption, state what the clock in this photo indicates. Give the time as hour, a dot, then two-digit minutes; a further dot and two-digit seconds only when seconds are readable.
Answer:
6.37
